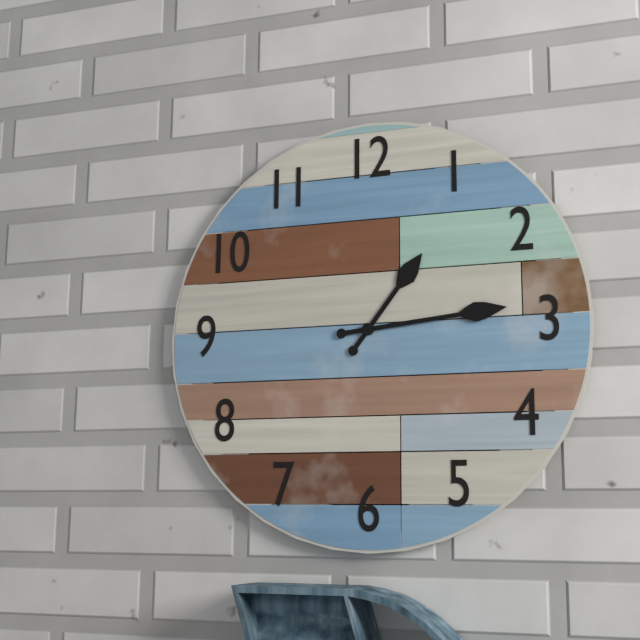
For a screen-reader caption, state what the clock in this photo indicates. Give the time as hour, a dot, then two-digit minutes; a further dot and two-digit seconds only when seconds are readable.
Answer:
1.14
